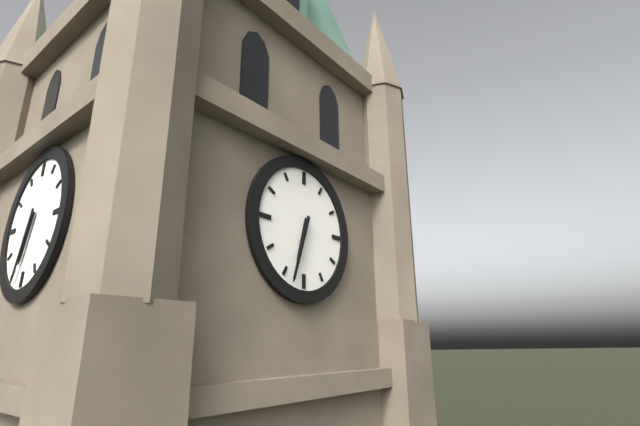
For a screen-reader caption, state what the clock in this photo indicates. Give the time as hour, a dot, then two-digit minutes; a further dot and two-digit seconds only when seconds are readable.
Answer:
6.33
